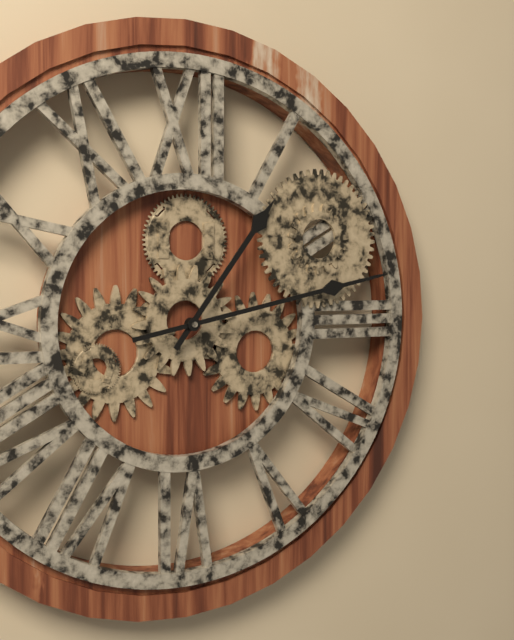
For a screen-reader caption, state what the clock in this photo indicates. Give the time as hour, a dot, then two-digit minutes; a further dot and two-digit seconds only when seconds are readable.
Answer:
1.13
